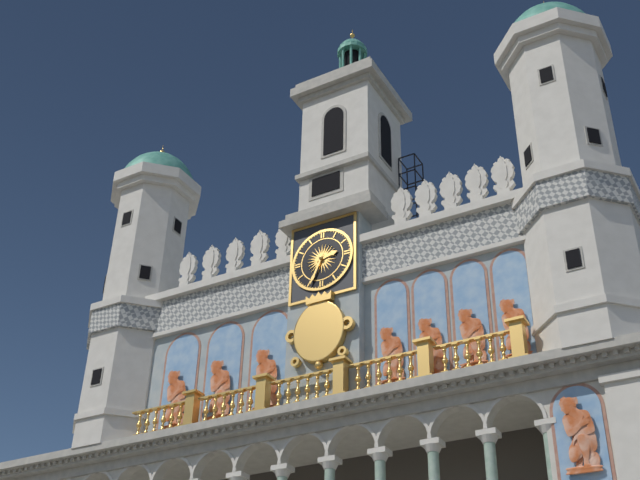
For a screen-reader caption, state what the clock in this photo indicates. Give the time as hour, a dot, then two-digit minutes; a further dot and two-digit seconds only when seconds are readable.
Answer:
2.34
